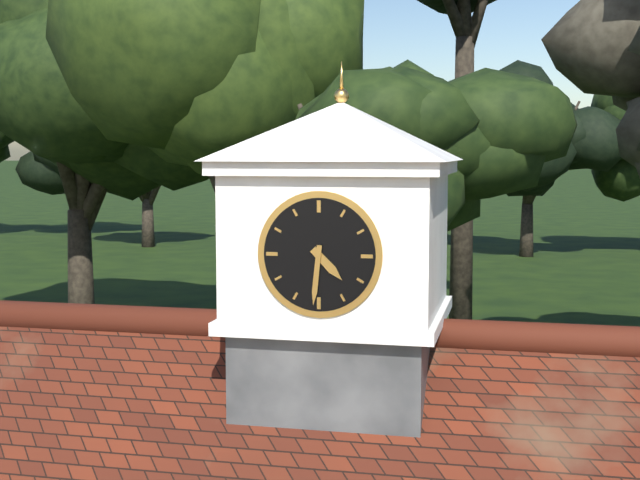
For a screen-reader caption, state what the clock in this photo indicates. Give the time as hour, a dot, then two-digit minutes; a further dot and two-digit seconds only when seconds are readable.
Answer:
4.31
